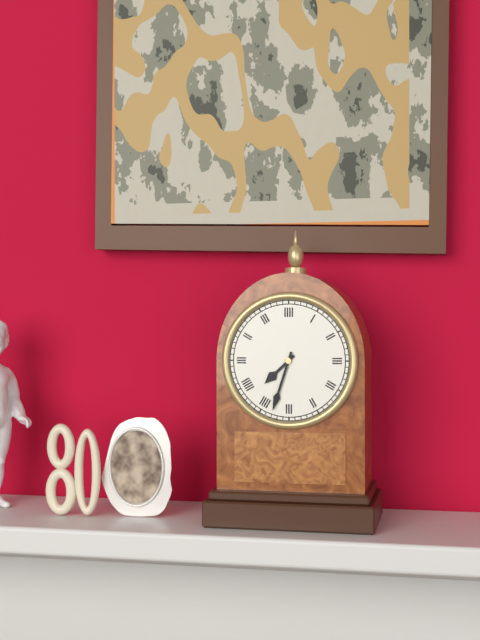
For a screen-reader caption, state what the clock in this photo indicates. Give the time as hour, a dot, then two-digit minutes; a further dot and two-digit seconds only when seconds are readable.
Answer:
7.33
